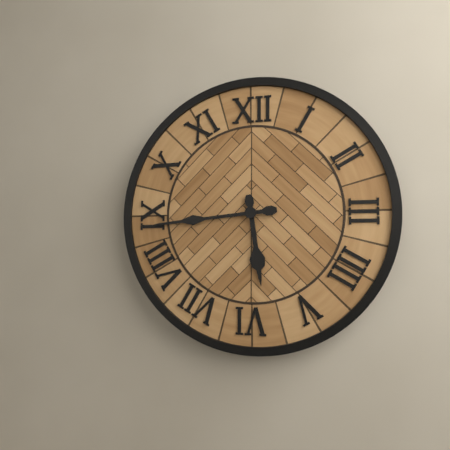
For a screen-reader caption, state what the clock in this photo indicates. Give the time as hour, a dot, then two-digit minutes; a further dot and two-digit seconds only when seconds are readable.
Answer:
5.44
